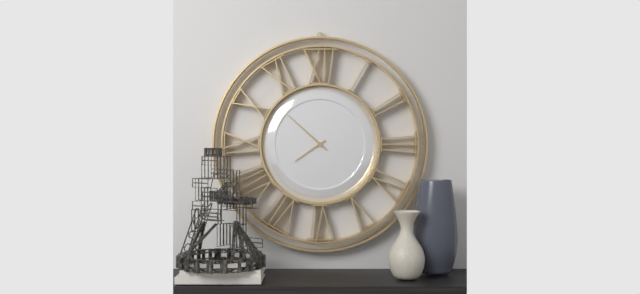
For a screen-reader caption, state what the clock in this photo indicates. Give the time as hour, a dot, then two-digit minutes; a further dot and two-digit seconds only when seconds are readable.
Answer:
7.52
